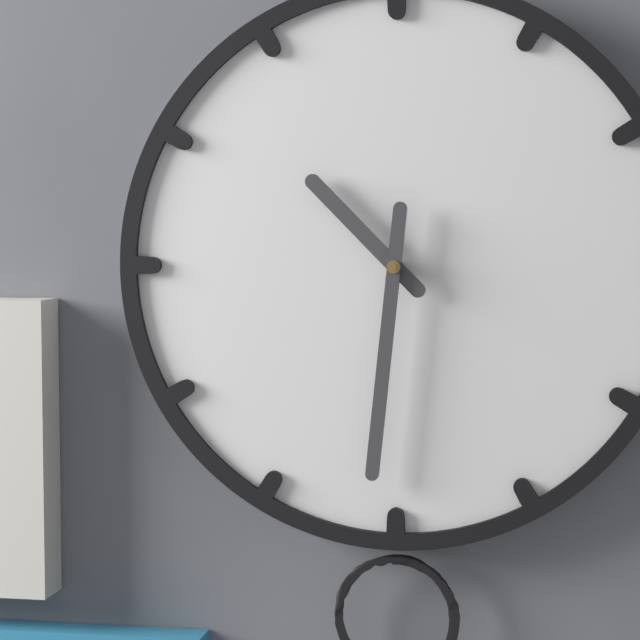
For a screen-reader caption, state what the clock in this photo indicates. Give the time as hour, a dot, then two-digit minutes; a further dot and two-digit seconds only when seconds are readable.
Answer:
10.31
